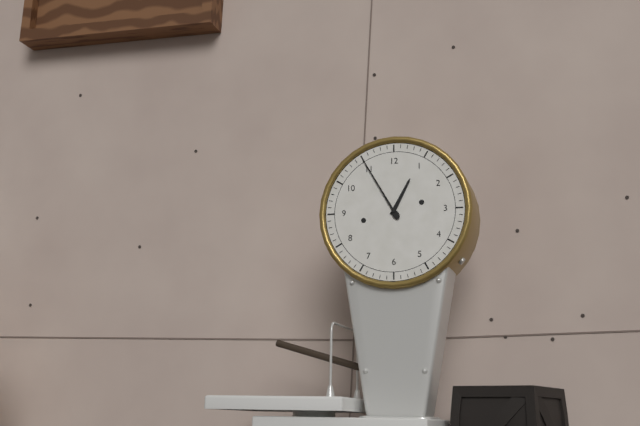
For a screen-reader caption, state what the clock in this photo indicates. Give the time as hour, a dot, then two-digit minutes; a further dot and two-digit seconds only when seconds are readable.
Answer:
12.55
